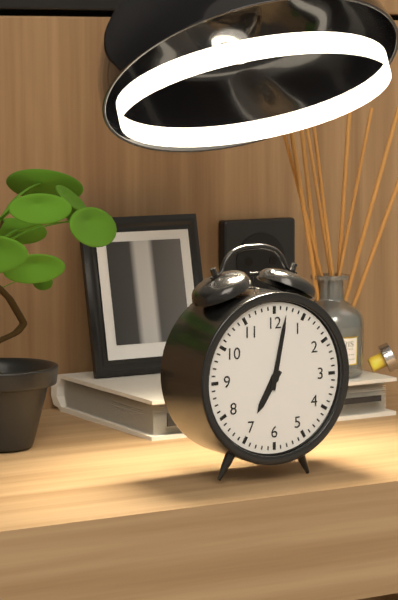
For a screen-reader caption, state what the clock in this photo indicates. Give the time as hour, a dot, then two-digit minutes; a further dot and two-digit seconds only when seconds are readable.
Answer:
7.02
